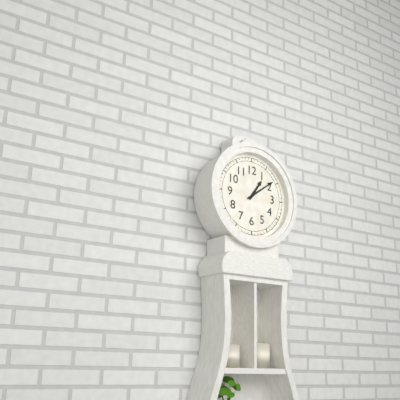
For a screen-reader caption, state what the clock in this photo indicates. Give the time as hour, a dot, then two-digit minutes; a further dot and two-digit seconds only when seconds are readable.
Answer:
1.09
